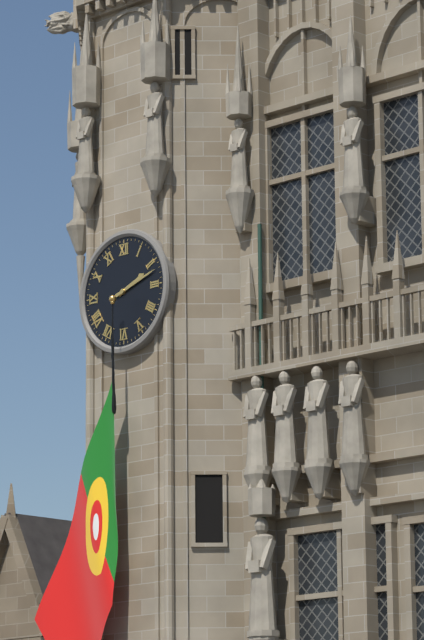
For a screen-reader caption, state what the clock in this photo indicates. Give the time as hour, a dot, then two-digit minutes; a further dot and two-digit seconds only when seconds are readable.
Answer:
2.12
